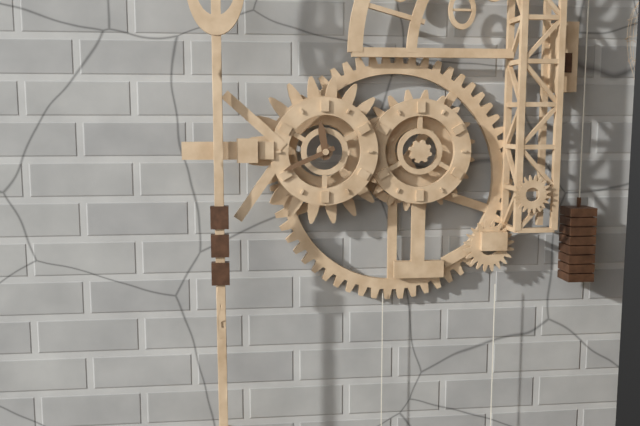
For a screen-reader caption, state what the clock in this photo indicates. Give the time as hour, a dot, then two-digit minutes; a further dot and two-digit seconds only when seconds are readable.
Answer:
11.41
